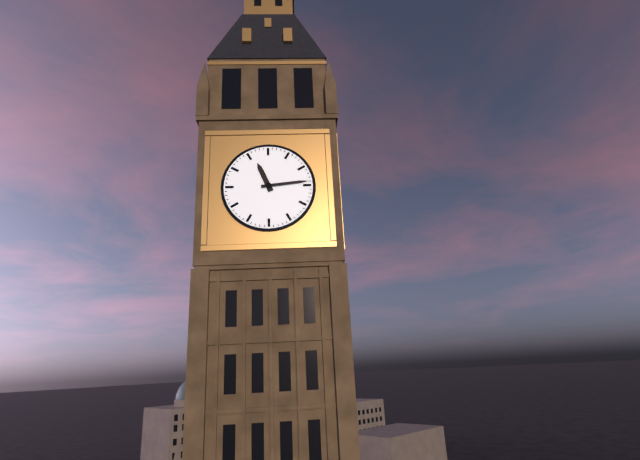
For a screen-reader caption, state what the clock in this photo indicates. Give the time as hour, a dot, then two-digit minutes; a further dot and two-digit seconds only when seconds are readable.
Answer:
11.14
